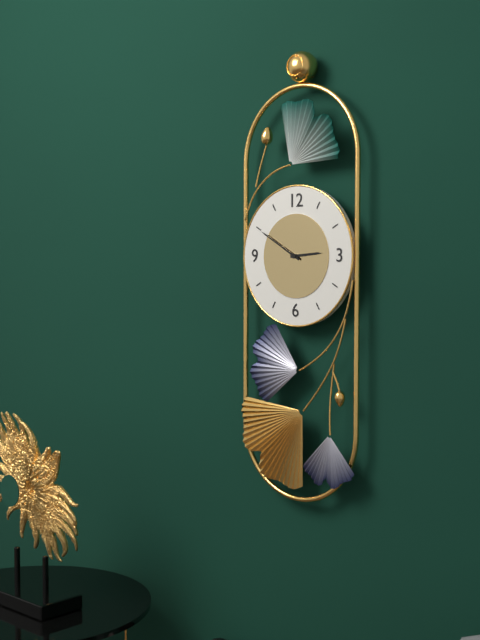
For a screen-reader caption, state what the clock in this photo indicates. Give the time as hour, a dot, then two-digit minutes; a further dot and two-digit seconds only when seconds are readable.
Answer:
2.50
